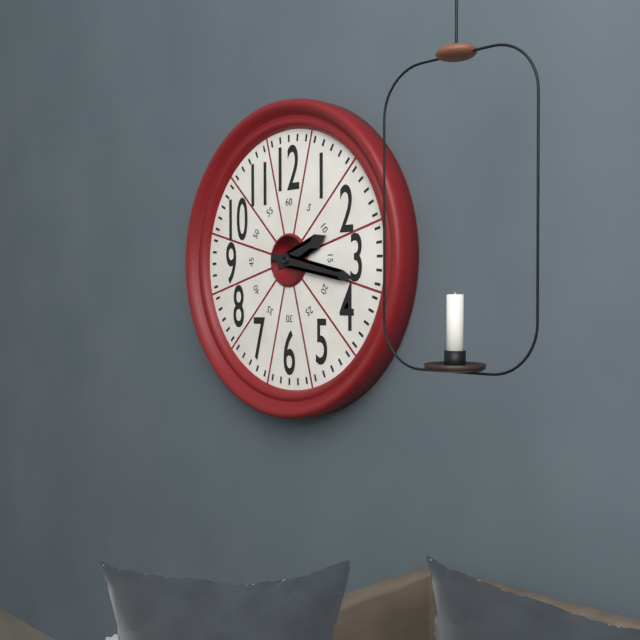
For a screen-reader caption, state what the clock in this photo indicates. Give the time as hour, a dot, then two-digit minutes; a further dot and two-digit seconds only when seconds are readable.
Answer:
2.17
